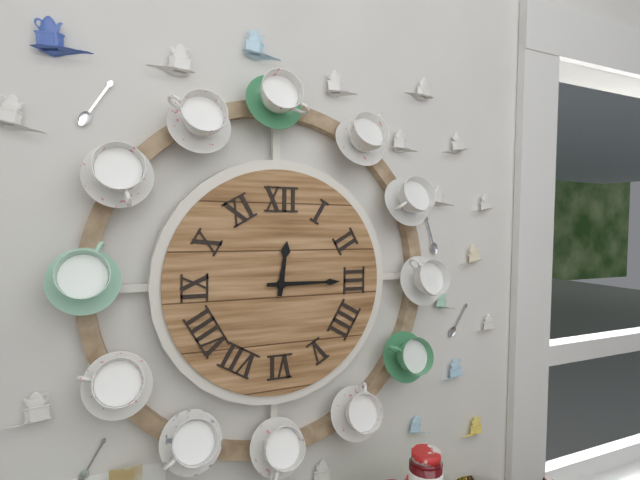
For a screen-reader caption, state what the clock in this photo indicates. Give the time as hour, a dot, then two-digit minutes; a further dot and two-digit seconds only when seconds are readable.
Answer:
12.15
